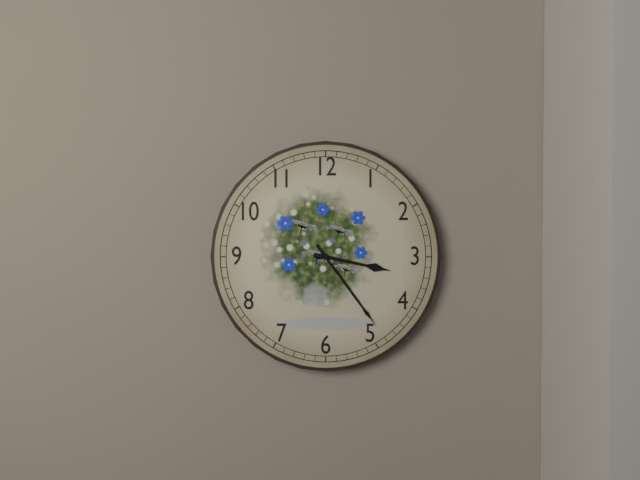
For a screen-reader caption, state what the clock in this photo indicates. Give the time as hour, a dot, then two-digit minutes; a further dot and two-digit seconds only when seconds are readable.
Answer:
3.24
